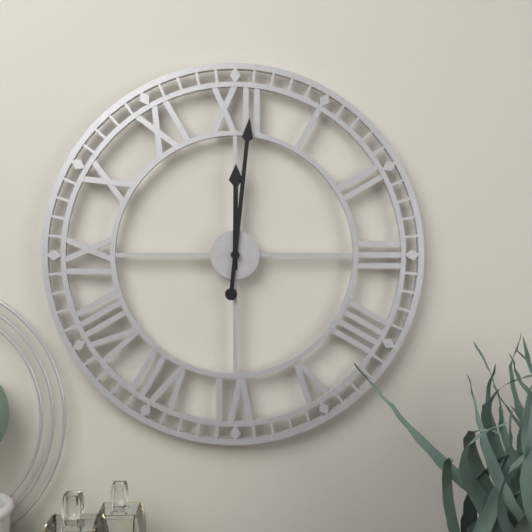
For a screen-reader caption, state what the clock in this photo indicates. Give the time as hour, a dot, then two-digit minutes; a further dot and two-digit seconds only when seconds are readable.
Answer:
12.01
